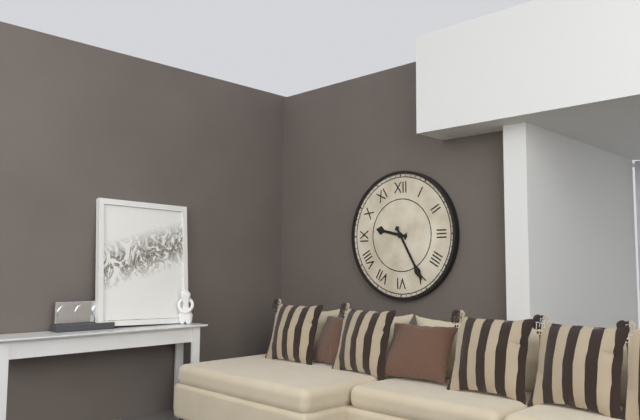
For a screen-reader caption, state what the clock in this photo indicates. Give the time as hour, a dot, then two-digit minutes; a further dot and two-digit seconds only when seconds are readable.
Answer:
9.25
